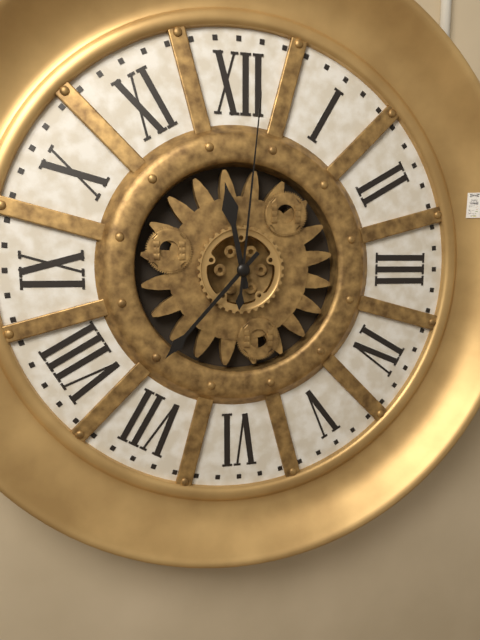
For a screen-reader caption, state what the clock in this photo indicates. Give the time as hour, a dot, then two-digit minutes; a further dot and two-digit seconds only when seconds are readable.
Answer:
11.37.01
